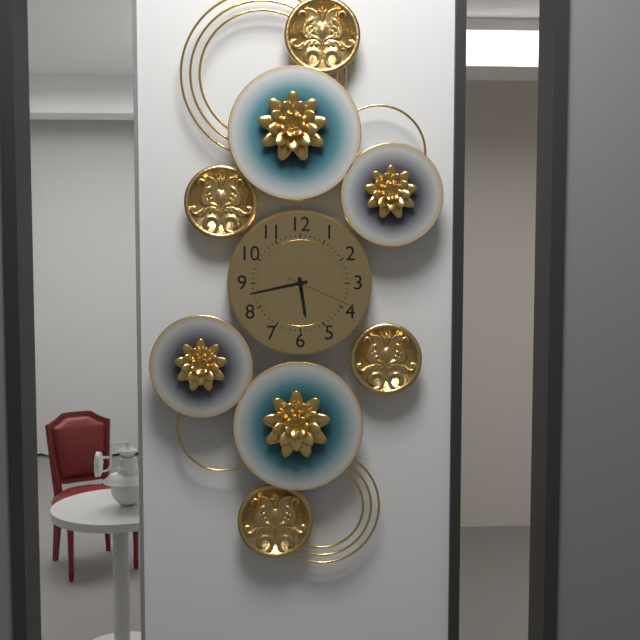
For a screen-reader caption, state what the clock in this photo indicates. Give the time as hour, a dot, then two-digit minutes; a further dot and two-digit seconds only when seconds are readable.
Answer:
5.43.19
